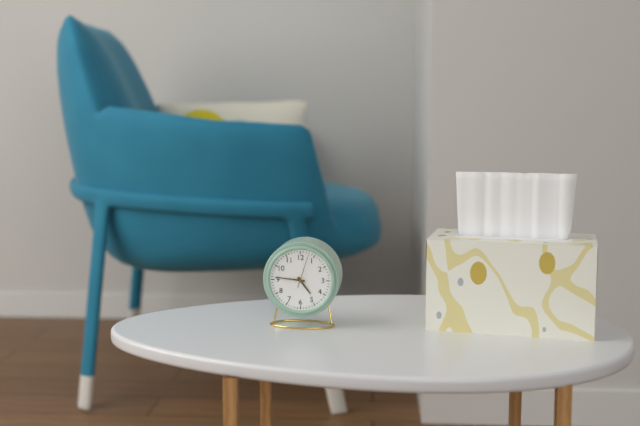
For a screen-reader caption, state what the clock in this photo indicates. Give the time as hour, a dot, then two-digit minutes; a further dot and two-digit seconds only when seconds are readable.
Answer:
4.46
